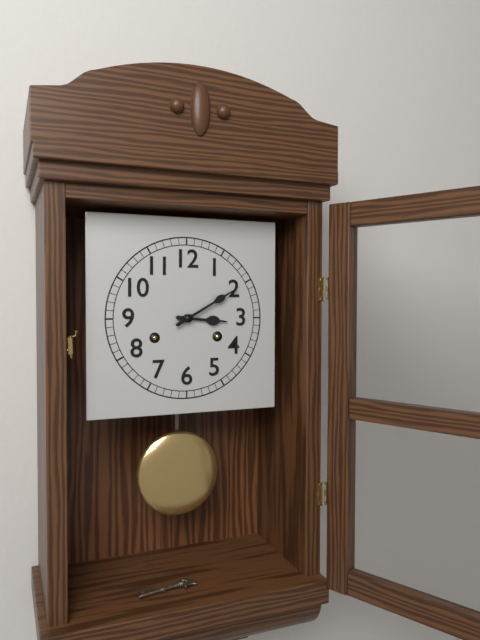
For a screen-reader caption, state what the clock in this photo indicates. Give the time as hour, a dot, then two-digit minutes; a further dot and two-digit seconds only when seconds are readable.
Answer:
3.10
